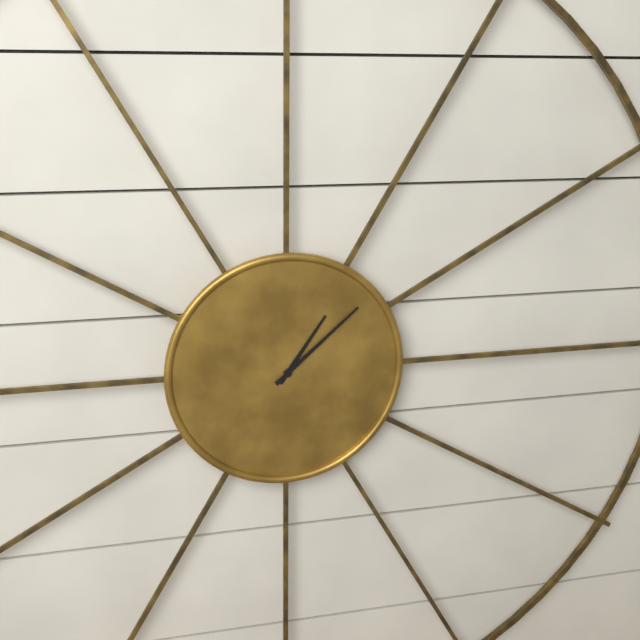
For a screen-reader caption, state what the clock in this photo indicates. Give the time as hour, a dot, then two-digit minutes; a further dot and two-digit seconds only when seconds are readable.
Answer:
1.08
